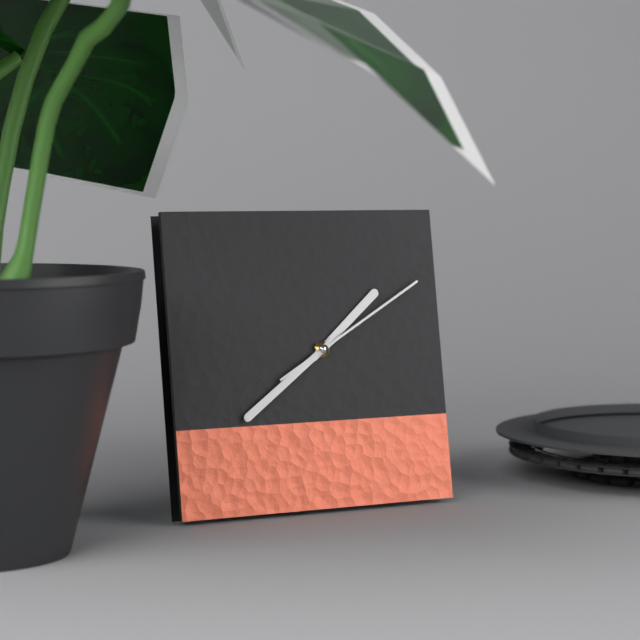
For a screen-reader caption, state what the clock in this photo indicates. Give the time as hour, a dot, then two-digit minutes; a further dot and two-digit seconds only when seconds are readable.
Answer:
1.39.10
